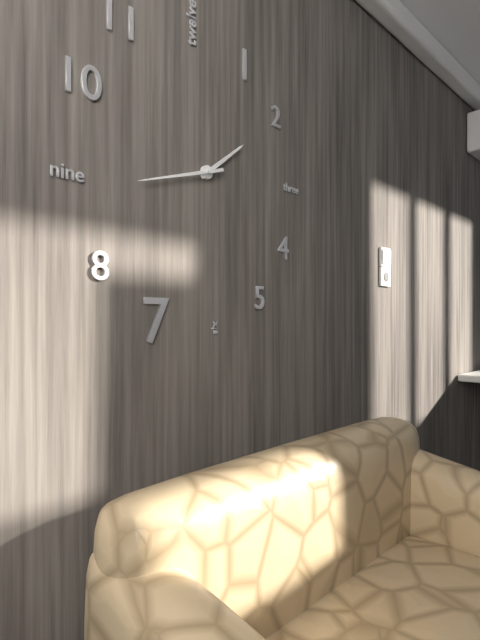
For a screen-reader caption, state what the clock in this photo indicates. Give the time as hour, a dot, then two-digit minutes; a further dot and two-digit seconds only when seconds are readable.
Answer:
1.42
